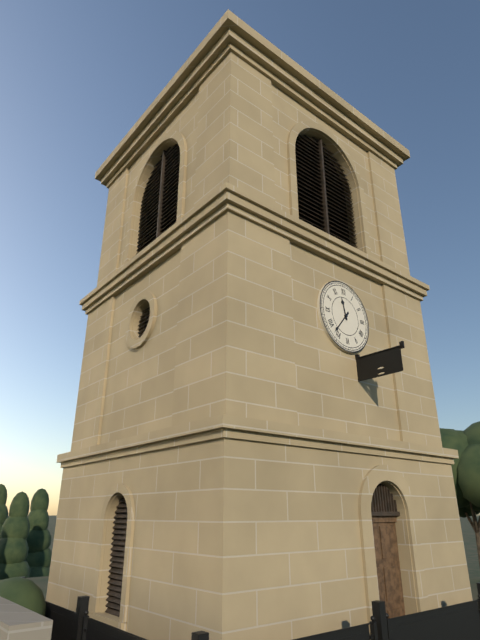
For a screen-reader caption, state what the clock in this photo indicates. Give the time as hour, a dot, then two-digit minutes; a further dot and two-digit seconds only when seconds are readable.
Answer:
11.37
